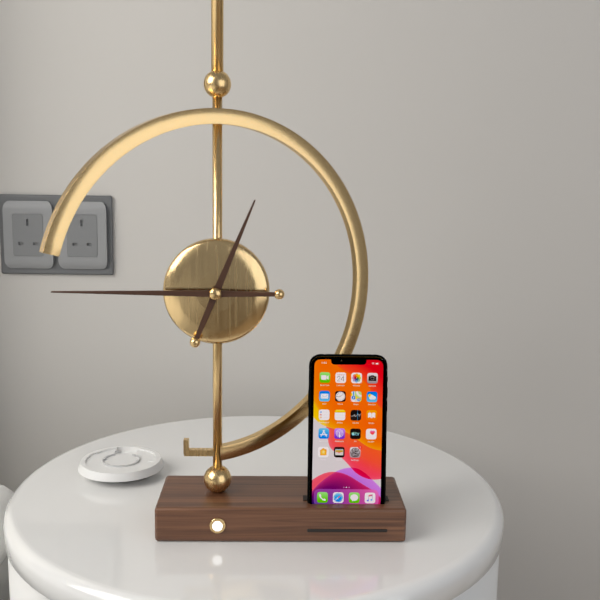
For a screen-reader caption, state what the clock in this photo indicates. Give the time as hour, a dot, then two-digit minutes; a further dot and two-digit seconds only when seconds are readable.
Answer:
12.45
